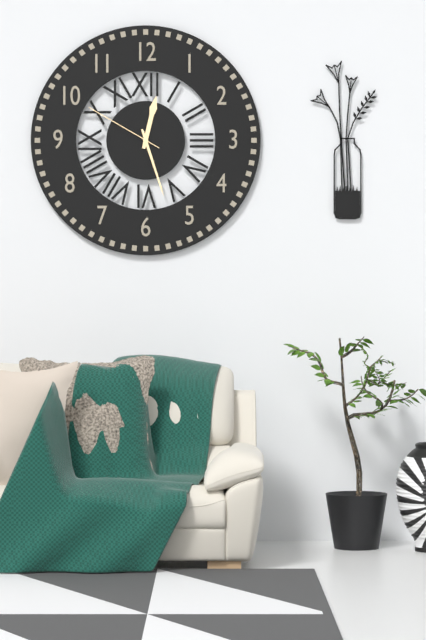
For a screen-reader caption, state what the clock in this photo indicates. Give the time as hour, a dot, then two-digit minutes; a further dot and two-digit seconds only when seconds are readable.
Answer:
12.27.50
